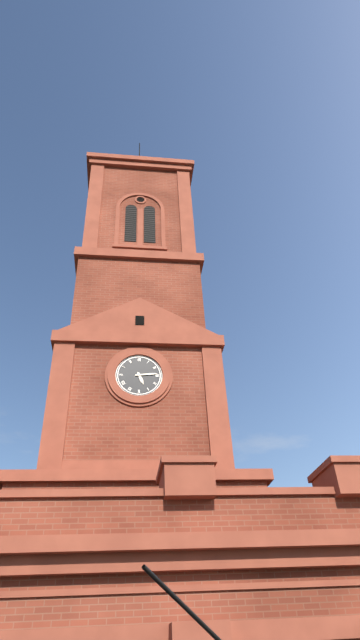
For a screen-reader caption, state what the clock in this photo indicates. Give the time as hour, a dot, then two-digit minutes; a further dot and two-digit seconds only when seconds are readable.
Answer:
5.14
